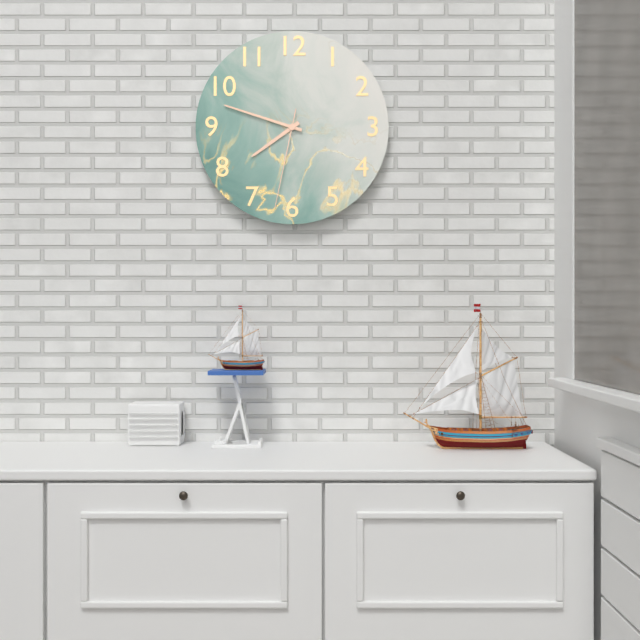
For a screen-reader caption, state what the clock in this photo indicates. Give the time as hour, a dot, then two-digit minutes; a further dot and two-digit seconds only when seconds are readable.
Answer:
7.48.32
